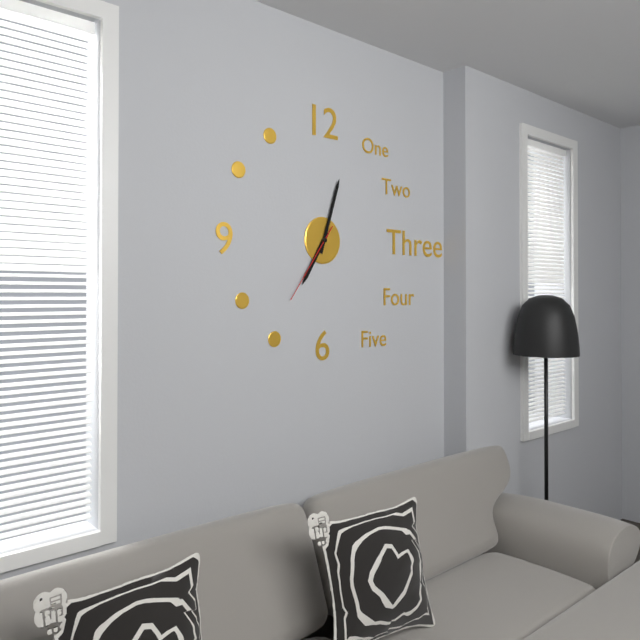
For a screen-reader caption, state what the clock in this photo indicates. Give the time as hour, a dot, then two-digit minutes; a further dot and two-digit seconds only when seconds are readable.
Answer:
7.03.36
